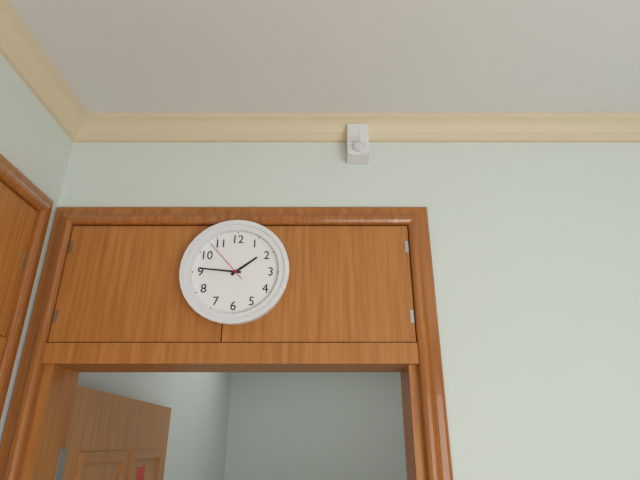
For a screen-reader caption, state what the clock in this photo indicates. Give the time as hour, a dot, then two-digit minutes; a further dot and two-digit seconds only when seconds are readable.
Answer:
1.46
